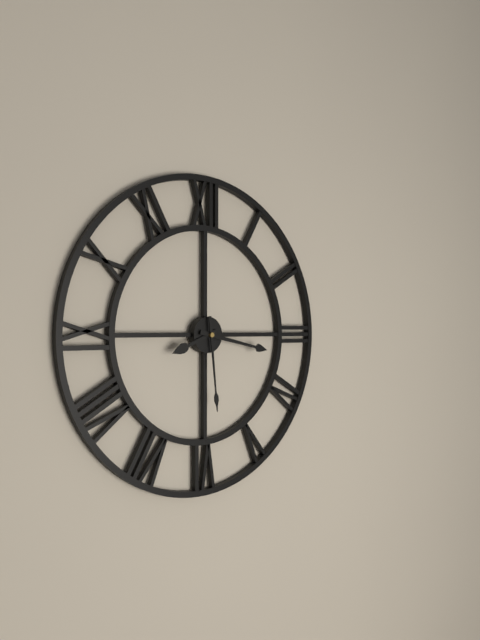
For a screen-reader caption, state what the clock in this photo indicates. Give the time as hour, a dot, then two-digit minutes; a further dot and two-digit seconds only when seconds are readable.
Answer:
8.17.29
